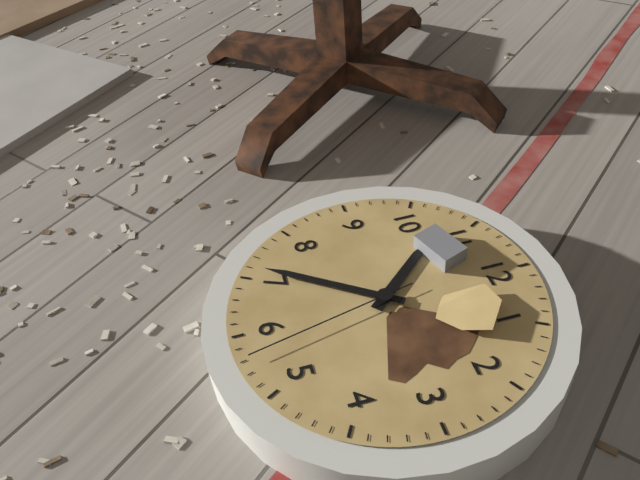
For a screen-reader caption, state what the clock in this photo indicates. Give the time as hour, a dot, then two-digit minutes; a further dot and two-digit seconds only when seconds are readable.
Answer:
10.36.28
